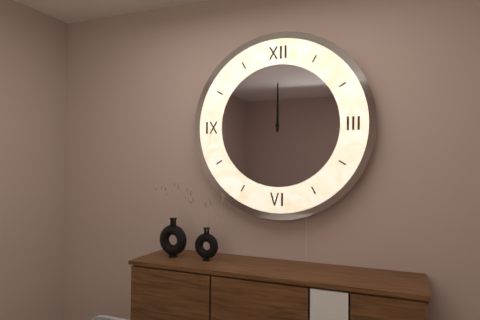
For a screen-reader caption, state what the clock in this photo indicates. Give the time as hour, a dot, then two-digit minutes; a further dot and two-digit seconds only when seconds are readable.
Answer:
12.00
